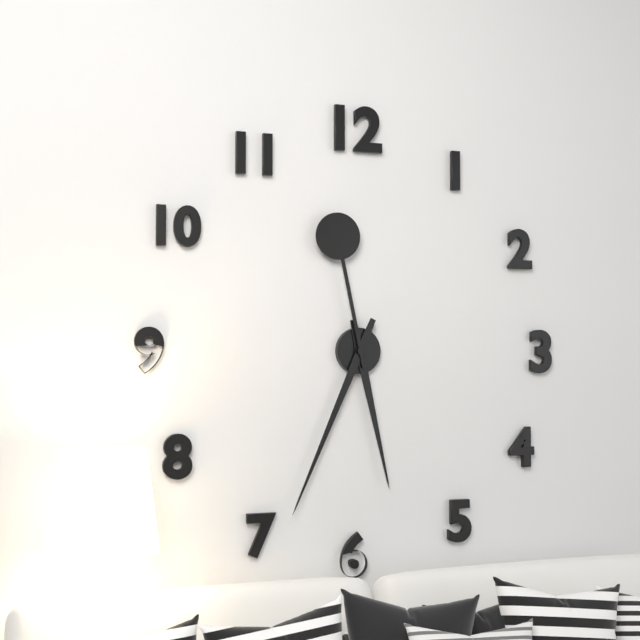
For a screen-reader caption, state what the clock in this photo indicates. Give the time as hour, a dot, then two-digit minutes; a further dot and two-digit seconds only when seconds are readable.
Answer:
5.34.58
